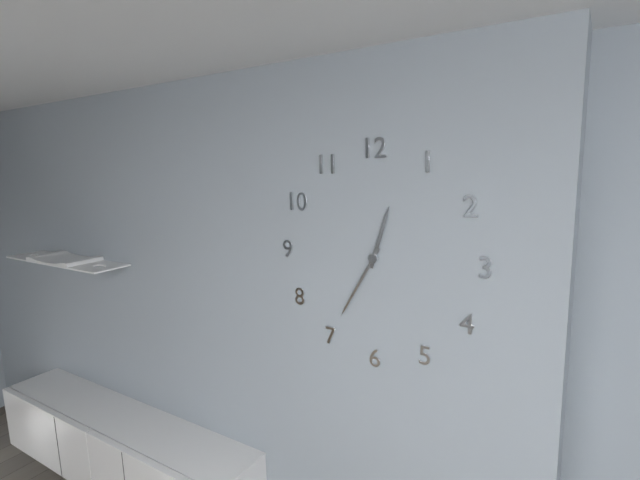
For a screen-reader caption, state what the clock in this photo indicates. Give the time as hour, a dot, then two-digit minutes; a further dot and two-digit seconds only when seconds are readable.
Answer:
12.35
